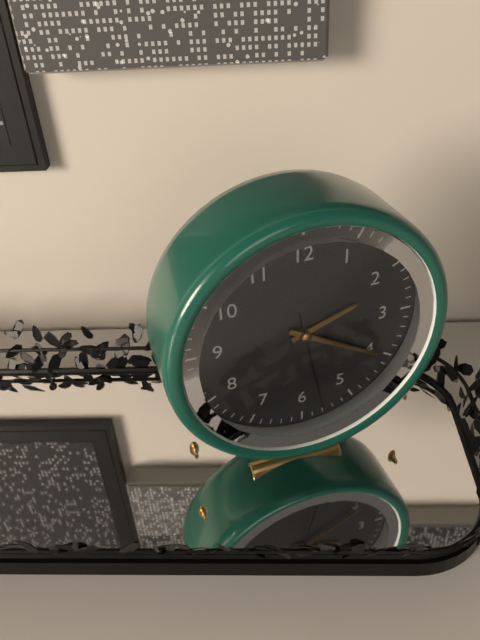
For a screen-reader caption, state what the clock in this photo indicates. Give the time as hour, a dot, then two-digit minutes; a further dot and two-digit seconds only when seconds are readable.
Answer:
2.20.28
